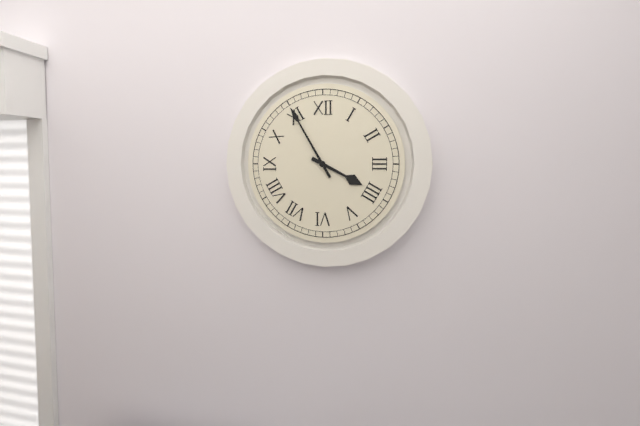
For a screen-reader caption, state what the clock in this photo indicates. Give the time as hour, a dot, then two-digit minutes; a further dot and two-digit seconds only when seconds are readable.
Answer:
3.55
